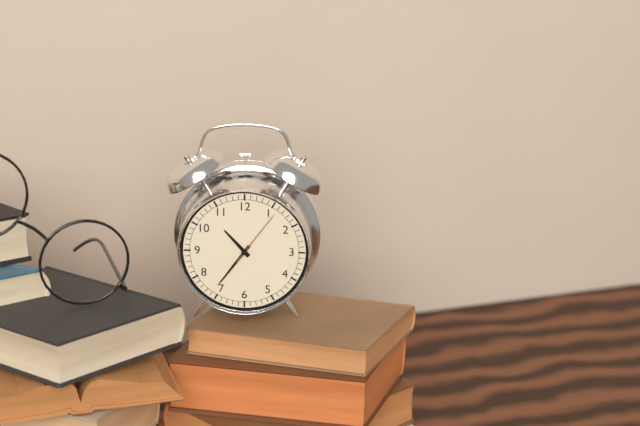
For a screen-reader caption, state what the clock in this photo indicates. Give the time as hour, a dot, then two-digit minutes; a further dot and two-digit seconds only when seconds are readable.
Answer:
10.36.06
